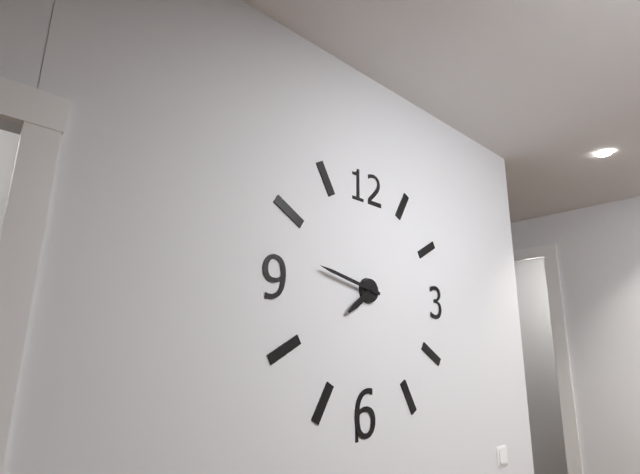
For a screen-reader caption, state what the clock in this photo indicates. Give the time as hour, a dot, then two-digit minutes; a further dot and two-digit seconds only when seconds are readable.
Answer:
7.47
